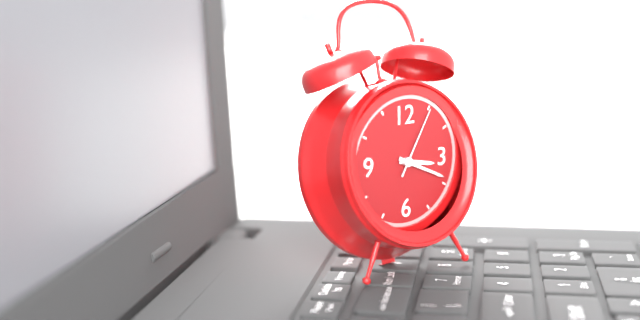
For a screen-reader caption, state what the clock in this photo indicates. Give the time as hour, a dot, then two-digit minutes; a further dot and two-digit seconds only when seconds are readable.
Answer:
3.19.05
